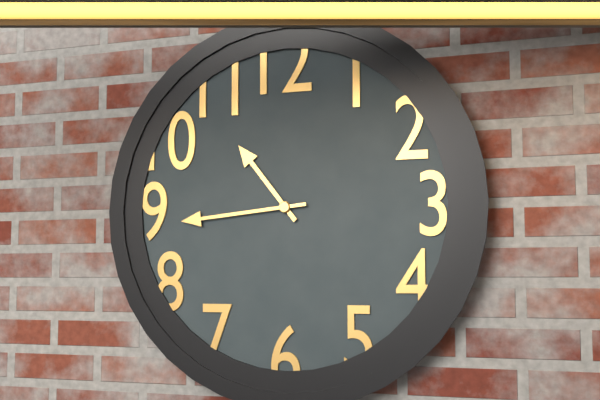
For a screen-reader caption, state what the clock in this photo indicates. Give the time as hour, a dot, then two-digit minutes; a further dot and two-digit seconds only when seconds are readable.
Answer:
10.44
